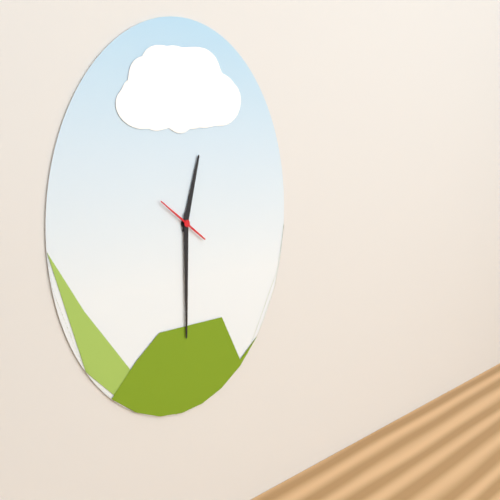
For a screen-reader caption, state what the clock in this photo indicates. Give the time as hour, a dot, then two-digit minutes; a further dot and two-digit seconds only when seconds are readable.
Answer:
12.30
